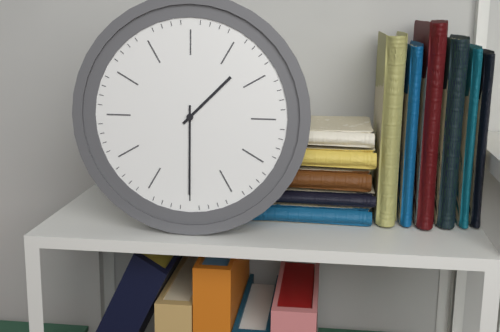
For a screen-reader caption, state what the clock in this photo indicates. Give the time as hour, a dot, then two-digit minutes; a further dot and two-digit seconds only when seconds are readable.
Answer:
1.30
